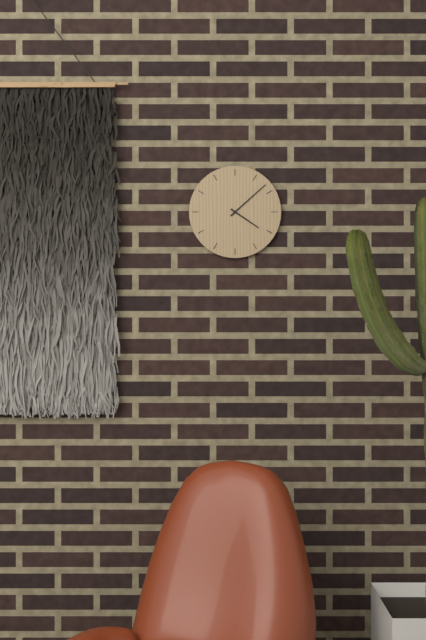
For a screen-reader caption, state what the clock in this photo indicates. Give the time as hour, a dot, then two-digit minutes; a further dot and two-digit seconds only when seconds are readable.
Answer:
4.08
